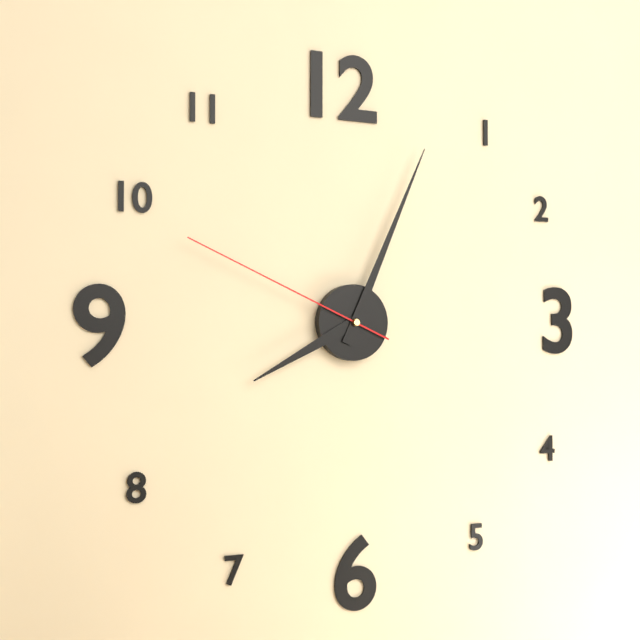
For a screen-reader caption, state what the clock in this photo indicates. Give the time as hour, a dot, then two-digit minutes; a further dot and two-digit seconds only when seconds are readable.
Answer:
8.04.49
